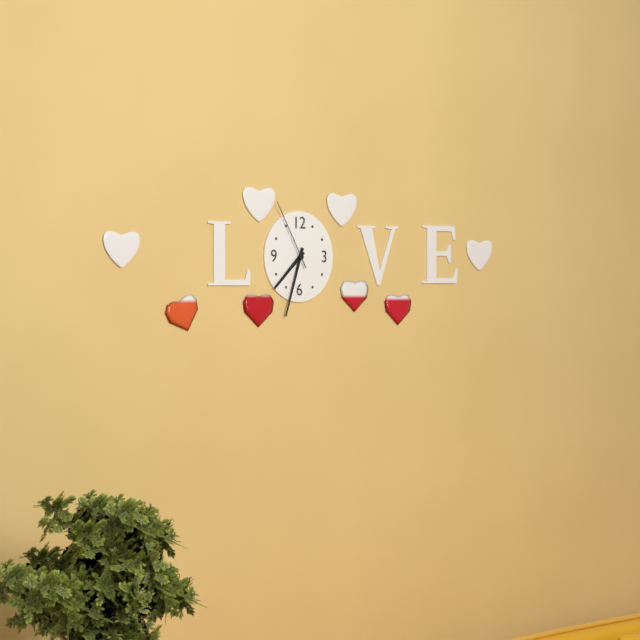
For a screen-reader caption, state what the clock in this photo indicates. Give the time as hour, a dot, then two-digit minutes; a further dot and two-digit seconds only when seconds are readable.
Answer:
7.33.55
